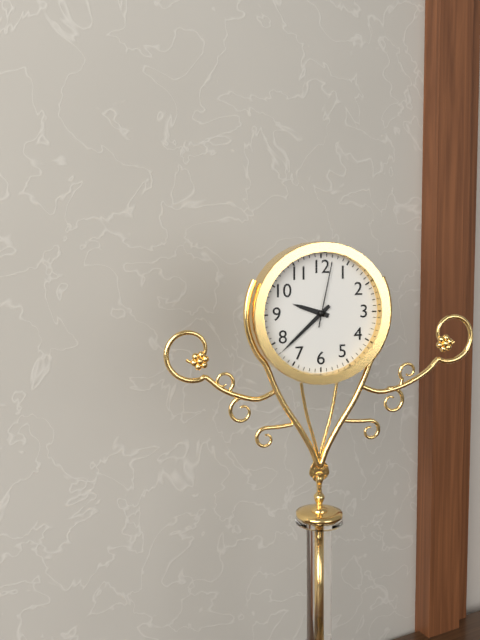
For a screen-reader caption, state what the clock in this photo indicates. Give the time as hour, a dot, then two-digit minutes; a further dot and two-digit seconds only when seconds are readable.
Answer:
9.38.02
